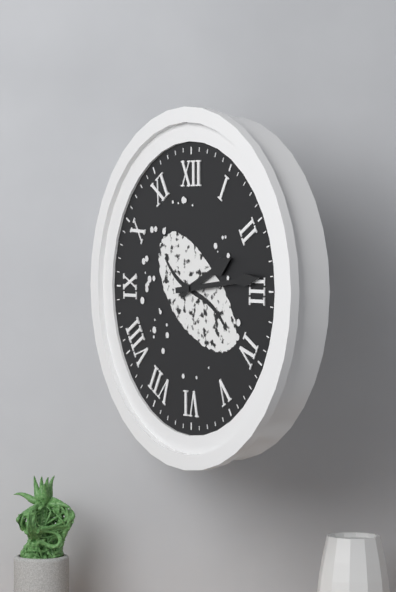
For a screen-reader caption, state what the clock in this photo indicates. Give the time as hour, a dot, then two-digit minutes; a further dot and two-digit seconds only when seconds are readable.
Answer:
2.14
